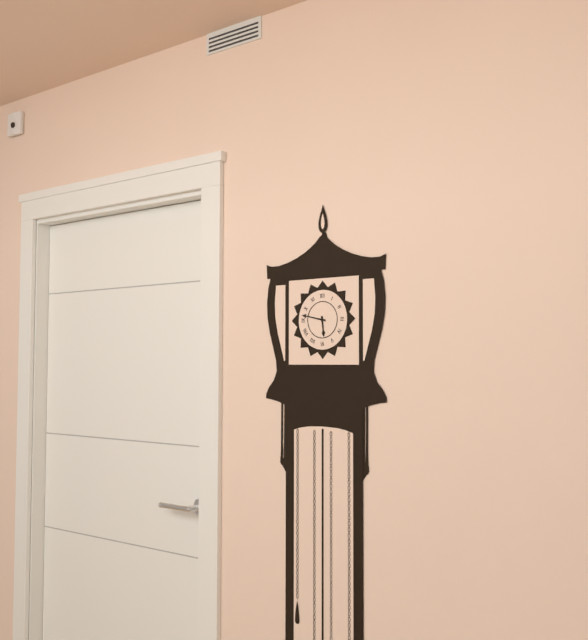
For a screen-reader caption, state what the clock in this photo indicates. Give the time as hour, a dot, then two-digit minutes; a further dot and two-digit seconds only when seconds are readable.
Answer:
5.47
